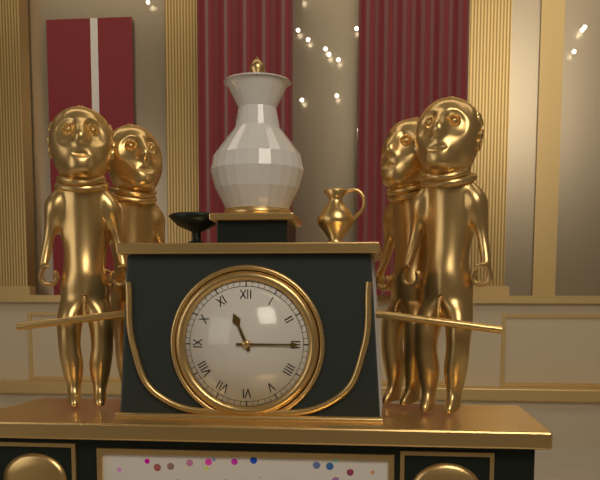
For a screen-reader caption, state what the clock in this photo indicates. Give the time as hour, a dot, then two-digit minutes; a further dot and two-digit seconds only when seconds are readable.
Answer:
11.15
